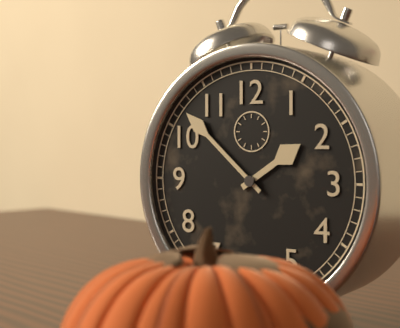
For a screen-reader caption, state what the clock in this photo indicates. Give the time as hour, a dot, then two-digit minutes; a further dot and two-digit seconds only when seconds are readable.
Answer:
1.52
